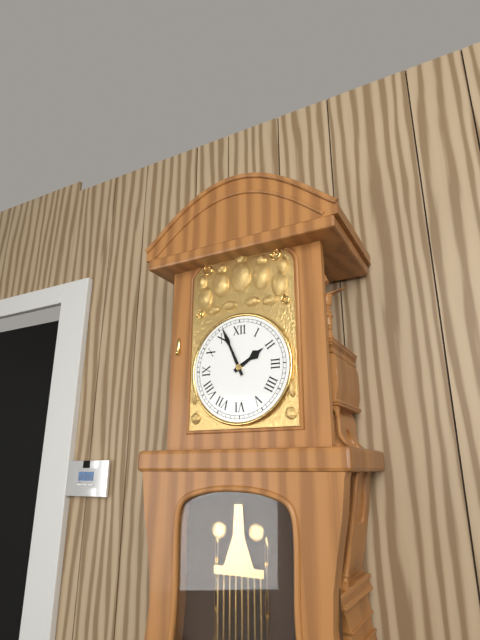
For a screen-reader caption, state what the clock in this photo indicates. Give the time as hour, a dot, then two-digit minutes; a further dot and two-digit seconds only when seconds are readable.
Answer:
1.56
